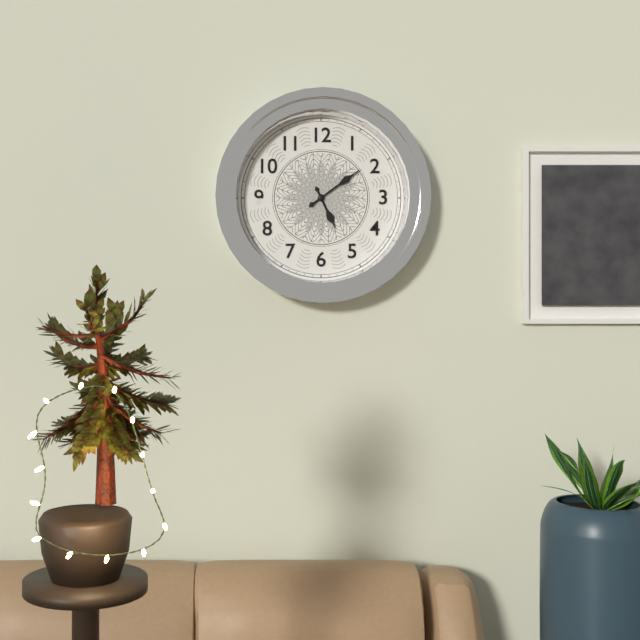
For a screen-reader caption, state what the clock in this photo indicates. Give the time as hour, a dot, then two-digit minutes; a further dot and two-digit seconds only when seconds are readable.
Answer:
5.09
